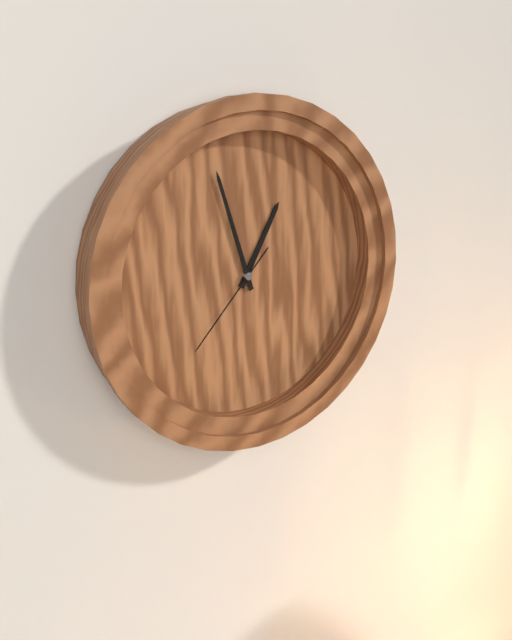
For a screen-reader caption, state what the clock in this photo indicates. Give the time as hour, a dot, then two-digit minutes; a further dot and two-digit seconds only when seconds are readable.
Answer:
12.57.37
